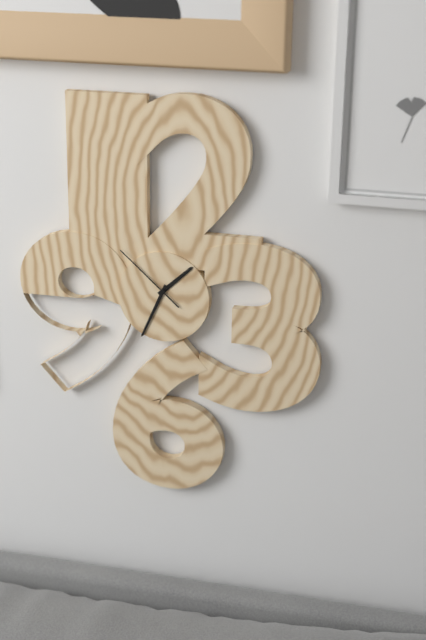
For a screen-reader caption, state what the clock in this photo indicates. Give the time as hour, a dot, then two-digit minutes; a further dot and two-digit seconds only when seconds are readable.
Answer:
1.34.52
